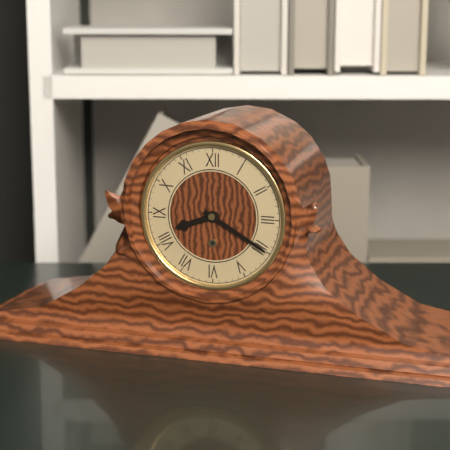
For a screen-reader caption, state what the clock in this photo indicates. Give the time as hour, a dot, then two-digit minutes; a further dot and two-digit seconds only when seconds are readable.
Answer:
8.20
